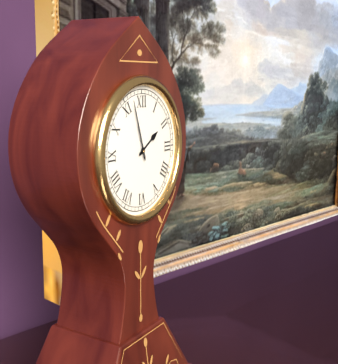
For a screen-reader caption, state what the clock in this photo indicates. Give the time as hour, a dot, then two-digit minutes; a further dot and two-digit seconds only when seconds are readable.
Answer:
1.57
